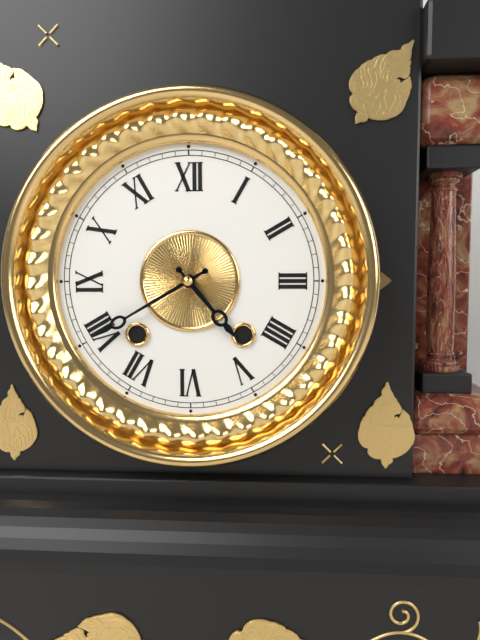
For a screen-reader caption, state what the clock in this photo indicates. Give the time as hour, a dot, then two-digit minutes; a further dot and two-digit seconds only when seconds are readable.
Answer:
4.40
